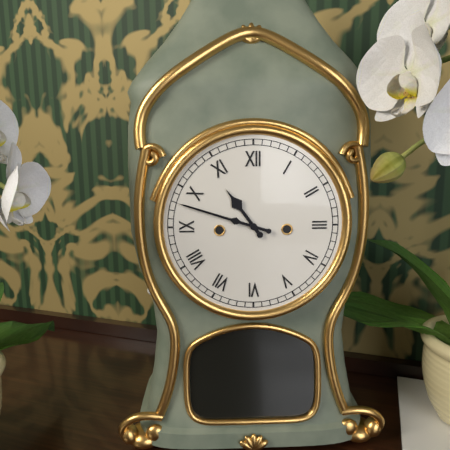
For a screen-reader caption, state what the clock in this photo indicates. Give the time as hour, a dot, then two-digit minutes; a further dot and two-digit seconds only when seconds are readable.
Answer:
10.48
